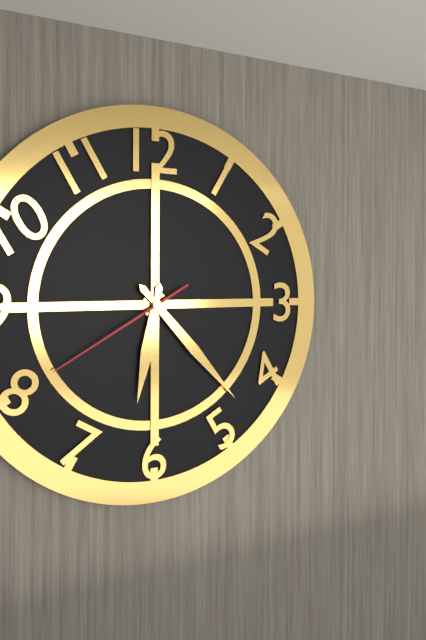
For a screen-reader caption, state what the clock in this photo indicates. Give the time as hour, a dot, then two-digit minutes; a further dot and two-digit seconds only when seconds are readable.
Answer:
6.23.40
